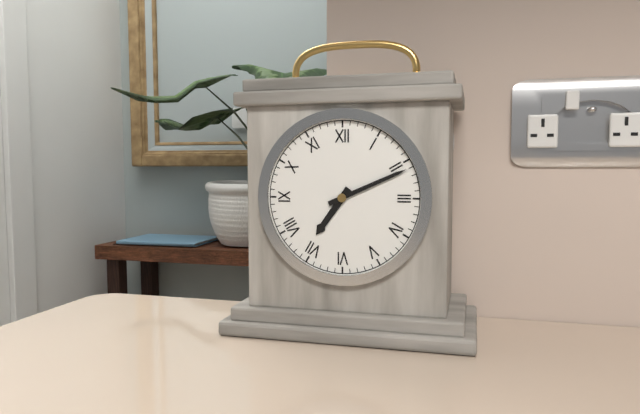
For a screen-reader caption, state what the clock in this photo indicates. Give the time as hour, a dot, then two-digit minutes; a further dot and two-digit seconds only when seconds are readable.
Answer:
7.11
